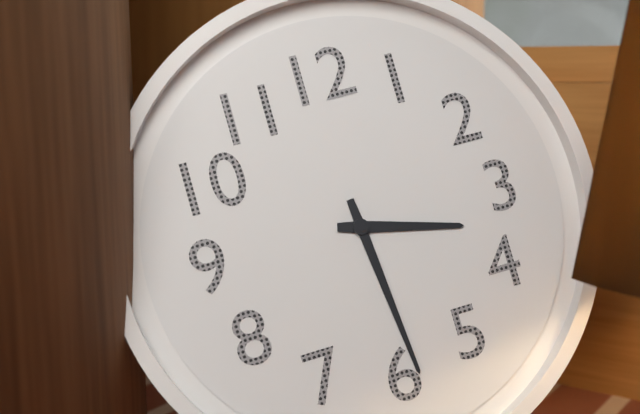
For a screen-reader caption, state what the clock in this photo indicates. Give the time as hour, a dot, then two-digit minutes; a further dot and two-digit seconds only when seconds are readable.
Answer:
3.29
